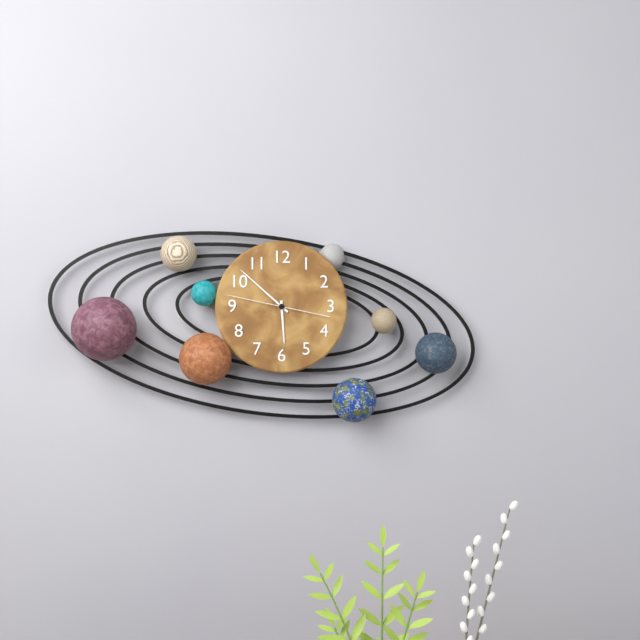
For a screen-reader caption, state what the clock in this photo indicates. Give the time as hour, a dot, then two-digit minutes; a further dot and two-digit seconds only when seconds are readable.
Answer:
5.52.47
